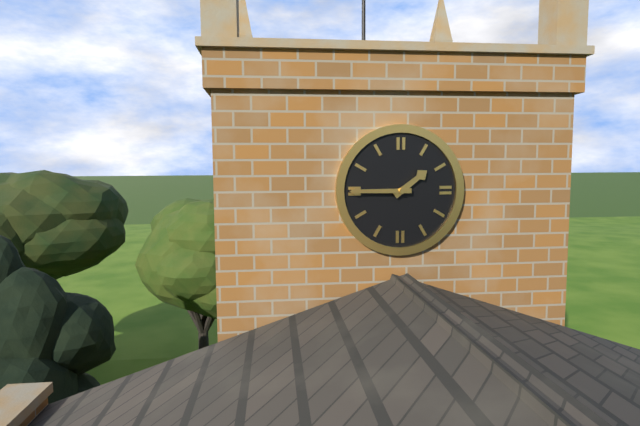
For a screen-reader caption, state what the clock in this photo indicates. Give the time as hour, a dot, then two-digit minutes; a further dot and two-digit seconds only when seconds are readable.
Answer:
1.45
